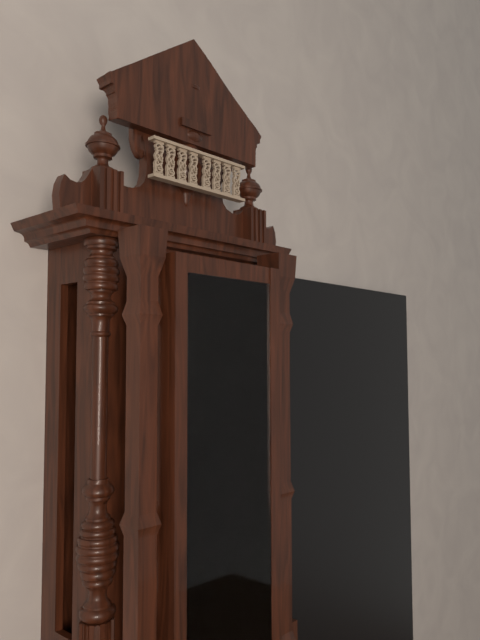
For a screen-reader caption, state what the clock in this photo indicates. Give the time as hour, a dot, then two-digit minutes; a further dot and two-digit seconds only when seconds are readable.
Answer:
8.10
